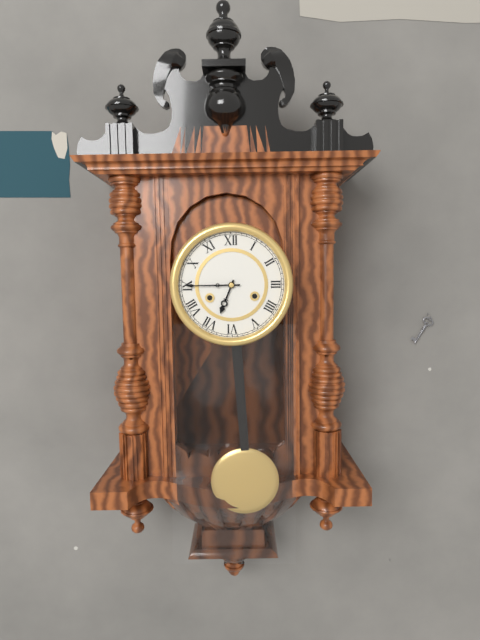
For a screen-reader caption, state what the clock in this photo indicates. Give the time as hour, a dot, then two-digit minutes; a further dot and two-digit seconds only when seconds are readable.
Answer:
6.45
